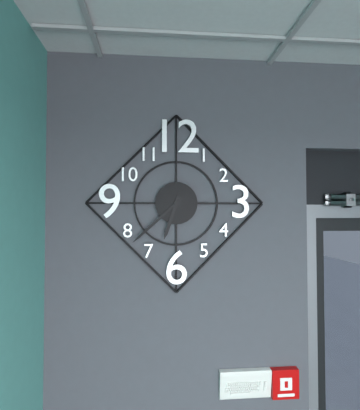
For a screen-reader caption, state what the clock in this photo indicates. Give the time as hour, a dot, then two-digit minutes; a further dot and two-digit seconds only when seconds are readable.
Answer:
6.38
